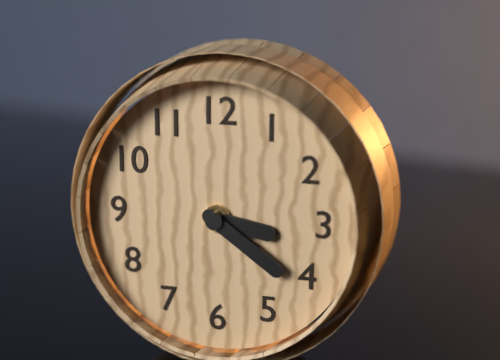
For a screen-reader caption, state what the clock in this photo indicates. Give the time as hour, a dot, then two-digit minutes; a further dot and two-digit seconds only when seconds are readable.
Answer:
3.21
